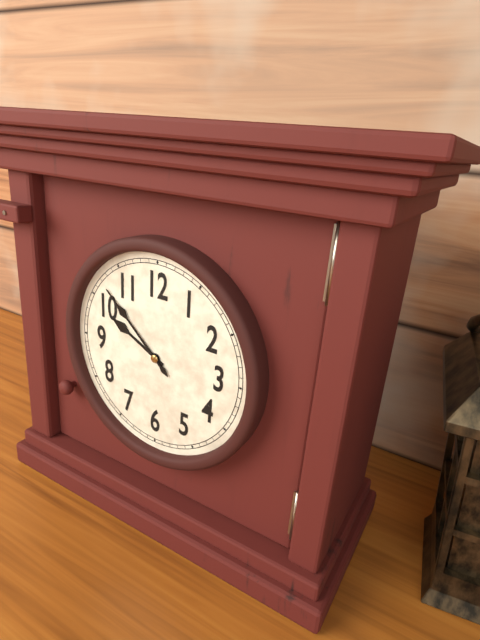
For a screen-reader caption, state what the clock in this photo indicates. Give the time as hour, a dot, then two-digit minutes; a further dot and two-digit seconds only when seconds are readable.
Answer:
9.52
